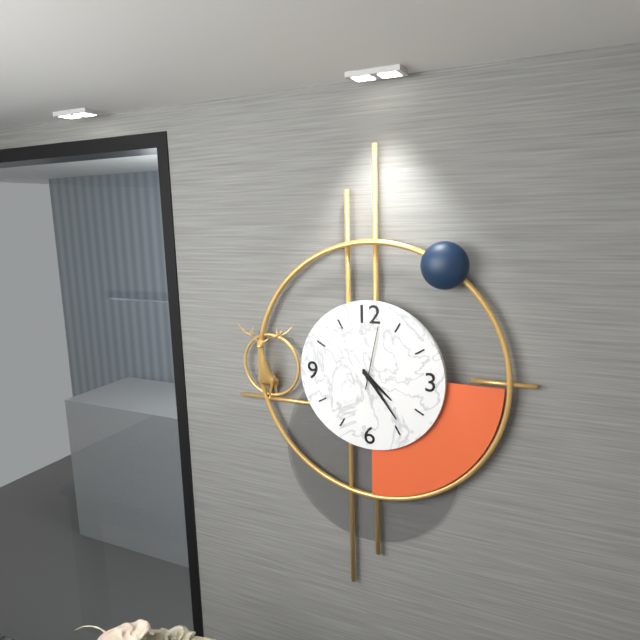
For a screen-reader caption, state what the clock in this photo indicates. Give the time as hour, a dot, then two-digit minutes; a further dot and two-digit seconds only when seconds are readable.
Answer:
4.24.02
